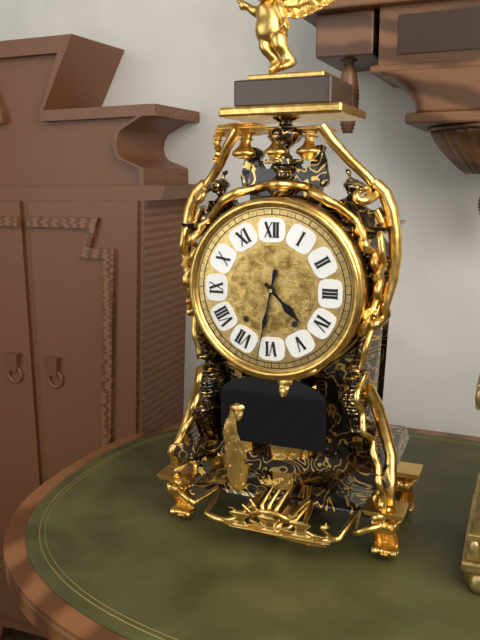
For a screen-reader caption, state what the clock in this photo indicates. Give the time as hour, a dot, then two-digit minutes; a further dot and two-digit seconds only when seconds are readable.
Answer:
4.32
